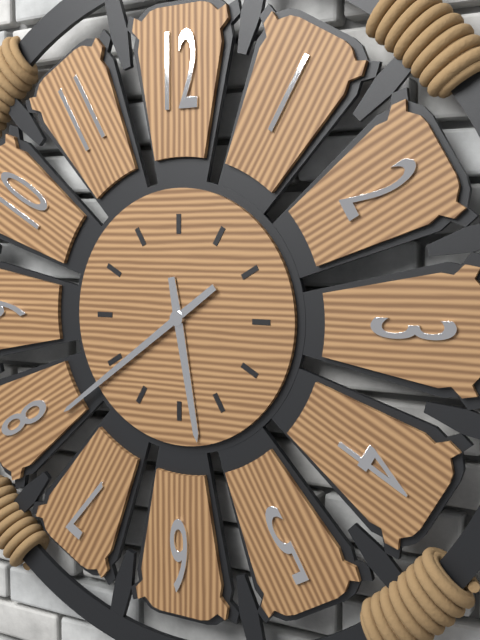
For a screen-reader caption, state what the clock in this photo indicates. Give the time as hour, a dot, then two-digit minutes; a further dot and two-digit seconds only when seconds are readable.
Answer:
5.39
